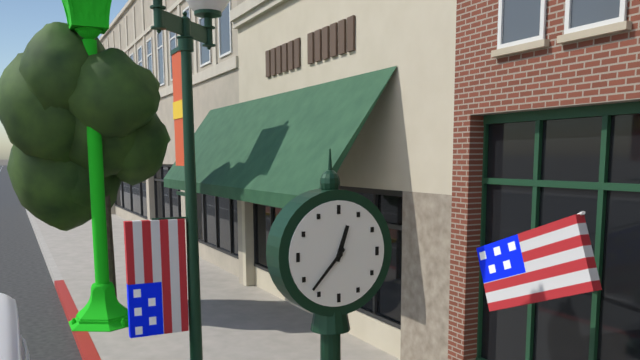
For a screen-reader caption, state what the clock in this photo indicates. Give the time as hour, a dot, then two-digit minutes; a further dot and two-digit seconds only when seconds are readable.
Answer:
12.37
